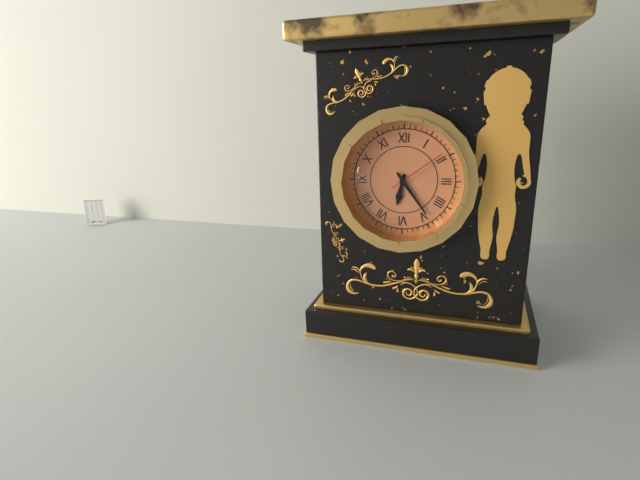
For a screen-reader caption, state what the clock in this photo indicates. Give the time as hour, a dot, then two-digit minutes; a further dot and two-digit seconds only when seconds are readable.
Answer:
6.24.09
